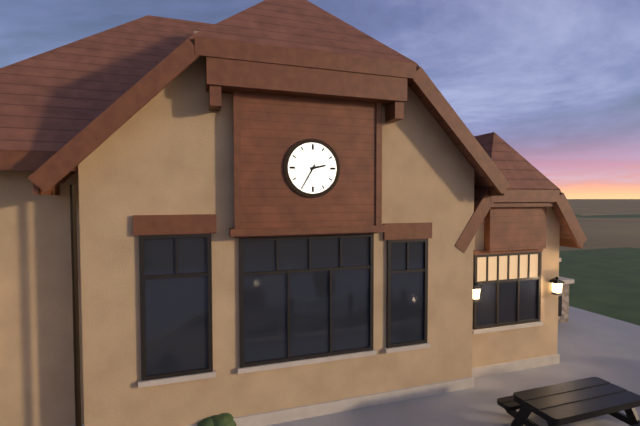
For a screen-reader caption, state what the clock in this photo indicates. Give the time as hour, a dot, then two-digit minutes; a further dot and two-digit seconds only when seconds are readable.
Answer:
2.35
